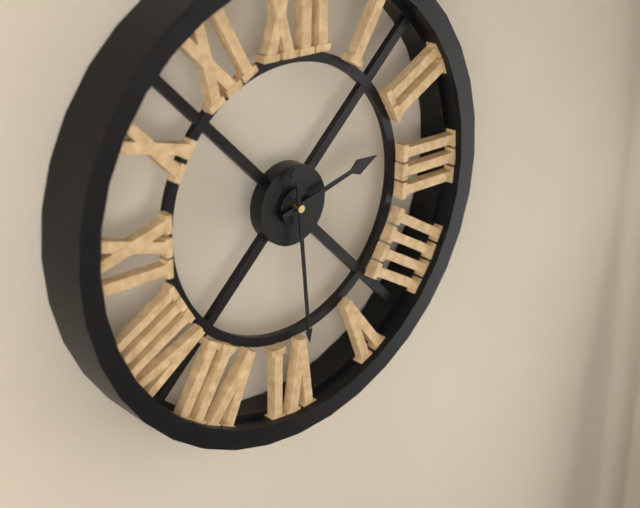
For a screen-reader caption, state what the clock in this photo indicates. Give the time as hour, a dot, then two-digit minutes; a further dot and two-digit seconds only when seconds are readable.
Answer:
2.29
